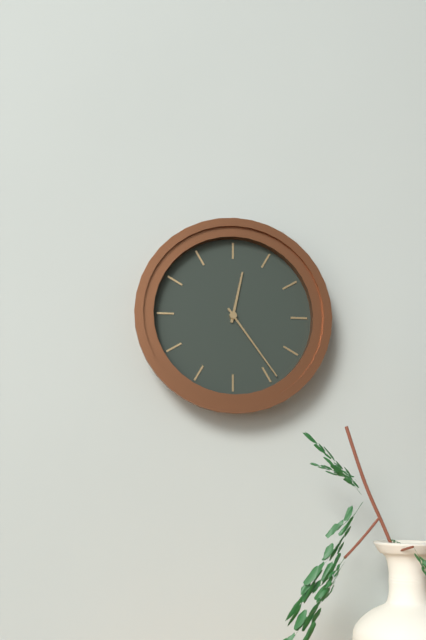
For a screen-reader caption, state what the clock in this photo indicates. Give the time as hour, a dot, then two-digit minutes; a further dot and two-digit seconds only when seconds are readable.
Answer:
12.24
